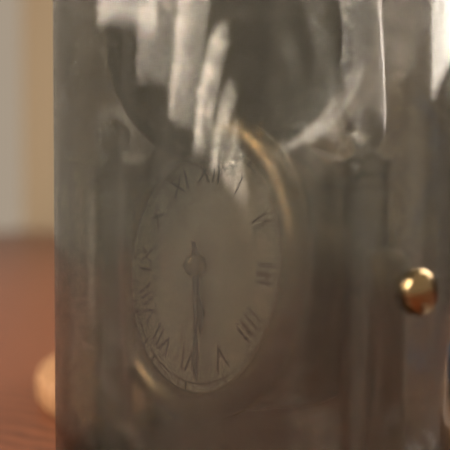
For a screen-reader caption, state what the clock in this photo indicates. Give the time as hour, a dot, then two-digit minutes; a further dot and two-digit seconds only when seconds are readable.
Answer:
5.28
